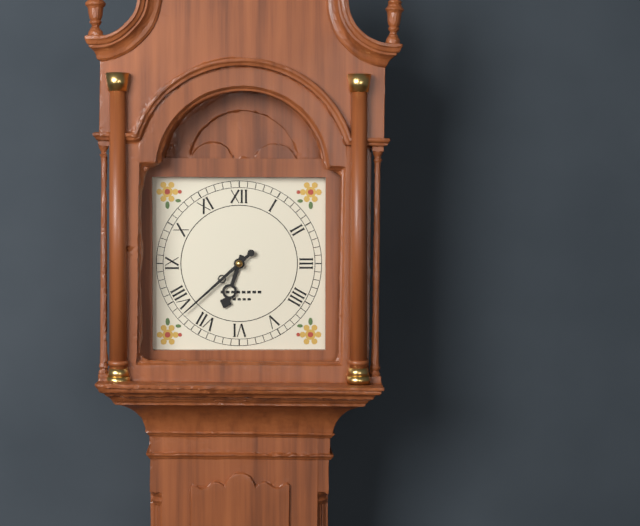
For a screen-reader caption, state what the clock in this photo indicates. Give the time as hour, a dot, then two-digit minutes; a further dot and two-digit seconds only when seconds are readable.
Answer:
6.38
